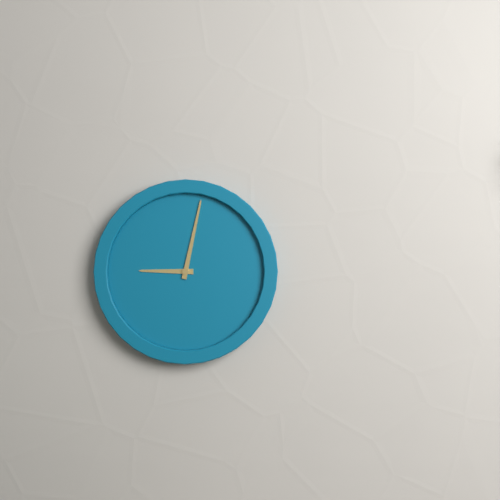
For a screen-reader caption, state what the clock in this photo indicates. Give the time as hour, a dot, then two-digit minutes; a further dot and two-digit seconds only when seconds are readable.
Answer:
9.02
